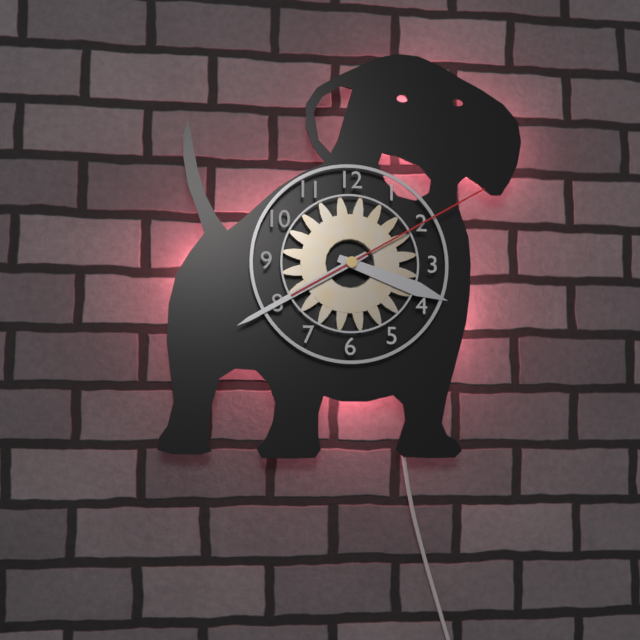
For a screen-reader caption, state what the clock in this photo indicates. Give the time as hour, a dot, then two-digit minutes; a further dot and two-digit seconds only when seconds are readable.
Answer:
3.40.10
